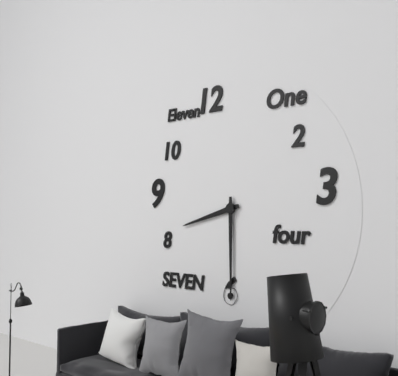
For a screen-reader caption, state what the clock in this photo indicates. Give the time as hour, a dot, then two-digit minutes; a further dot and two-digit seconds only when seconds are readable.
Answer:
8.30
